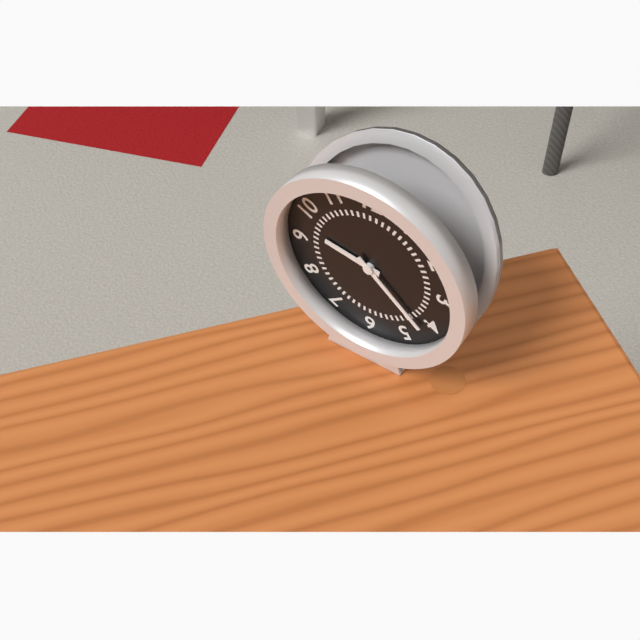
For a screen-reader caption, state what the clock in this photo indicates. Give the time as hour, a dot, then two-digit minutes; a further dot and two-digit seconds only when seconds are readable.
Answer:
9.22
